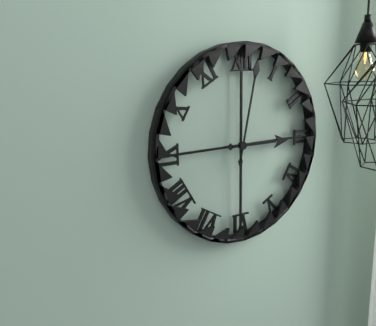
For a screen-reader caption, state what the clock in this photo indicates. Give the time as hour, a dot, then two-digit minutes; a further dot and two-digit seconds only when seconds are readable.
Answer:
3.02
